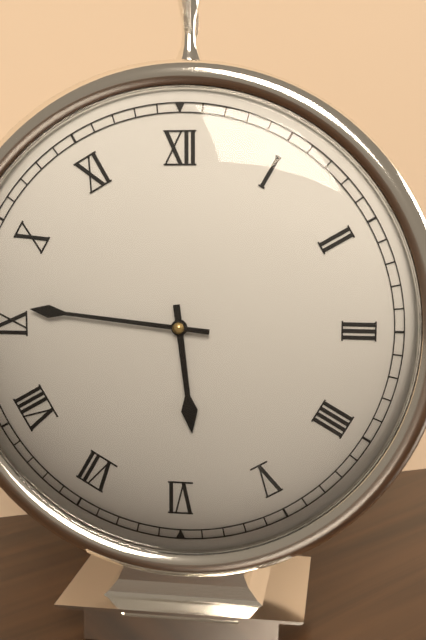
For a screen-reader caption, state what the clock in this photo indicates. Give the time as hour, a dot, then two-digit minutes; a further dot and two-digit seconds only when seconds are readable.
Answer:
5.46
